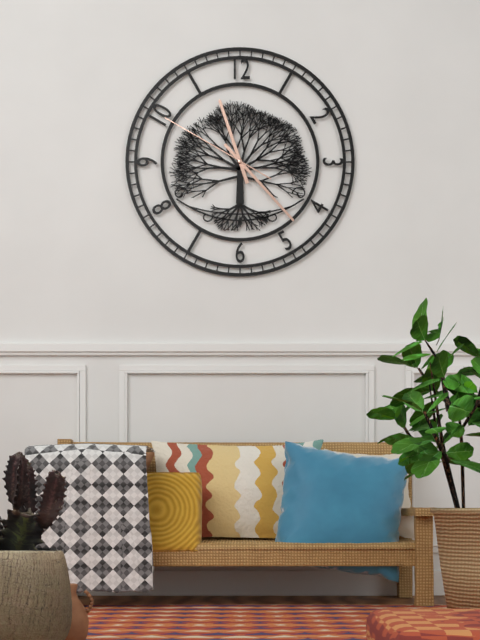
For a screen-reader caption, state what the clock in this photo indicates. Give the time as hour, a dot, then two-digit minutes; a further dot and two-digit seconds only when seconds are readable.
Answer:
11.23.50
